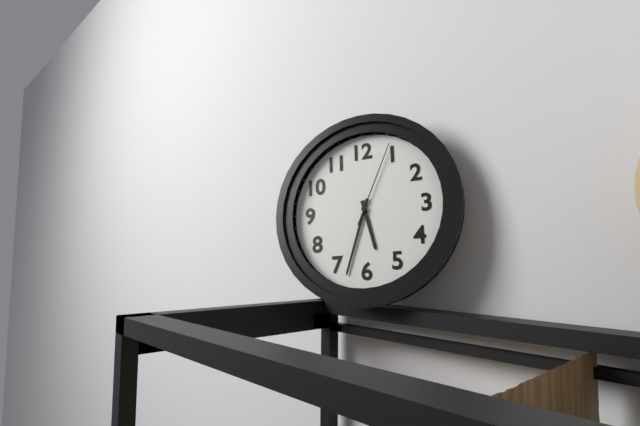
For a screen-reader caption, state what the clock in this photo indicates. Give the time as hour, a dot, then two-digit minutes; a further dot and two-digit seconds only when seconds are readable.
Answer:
5.33.04
